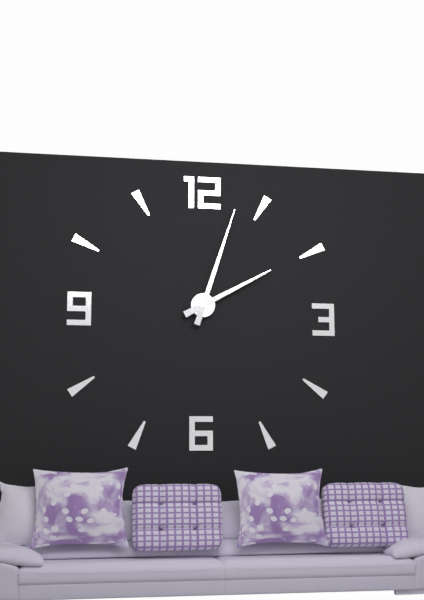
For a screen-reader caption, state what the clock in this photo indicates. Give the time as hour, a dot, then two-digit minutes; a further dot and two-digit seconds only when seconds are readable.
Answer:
2.03
